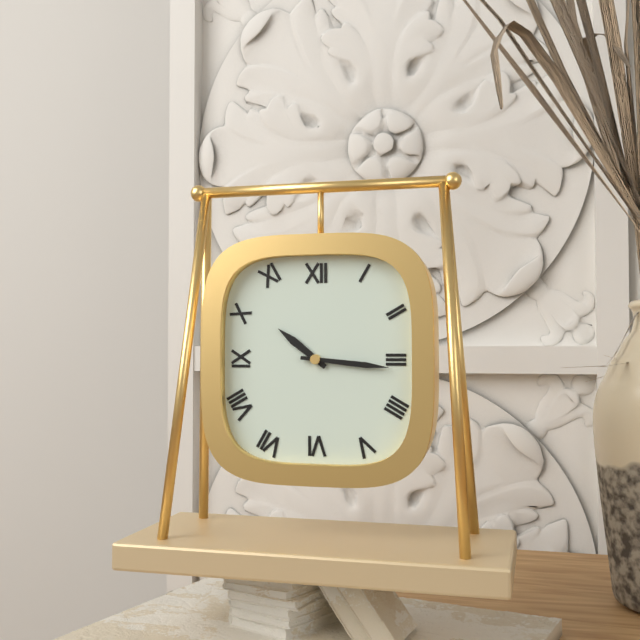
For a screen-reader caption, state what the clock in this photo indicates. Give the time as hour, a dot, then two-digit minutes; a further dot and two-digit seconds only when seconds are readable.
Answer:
10.16
